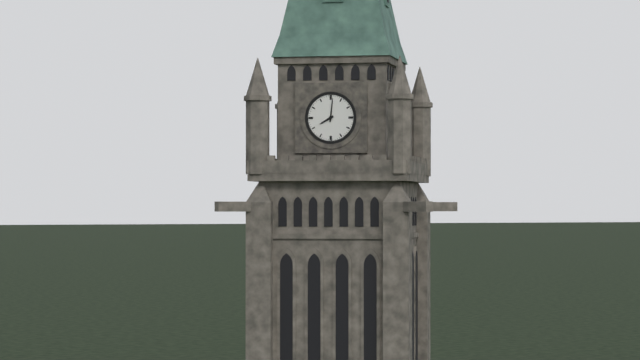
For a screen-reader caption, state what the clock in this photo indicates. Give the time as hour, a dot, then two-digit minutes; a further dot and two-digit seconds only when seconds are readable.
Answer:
8.01
